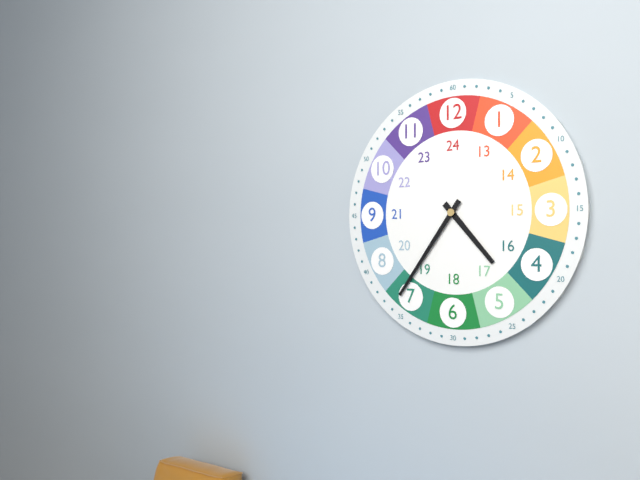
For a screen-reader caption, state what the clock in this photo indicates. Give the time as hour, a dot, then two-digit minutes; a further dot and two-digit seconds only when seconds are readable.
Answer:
4.36
